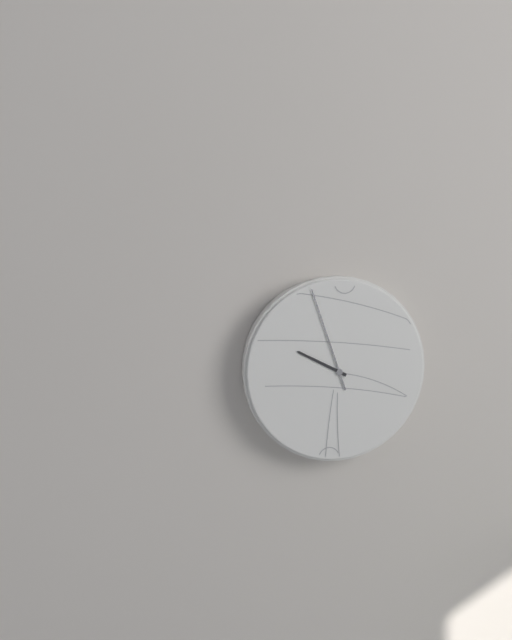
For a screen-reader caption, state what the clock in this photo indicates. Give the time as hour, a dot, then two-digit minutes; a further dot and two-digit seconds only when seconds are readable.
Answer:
9.57
